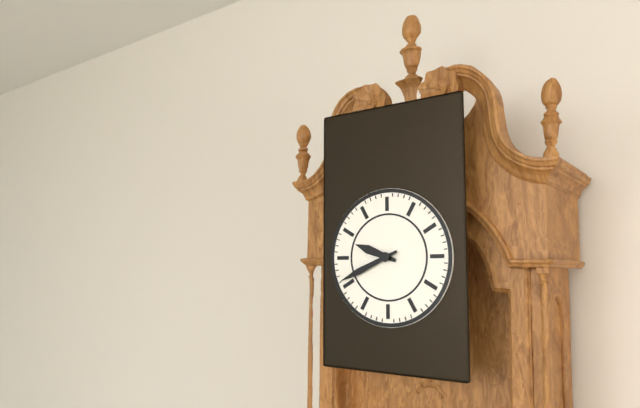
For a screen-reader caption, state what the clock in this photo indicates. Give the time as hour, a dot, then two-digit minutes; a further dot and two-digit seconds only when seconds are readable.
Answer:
9.41
